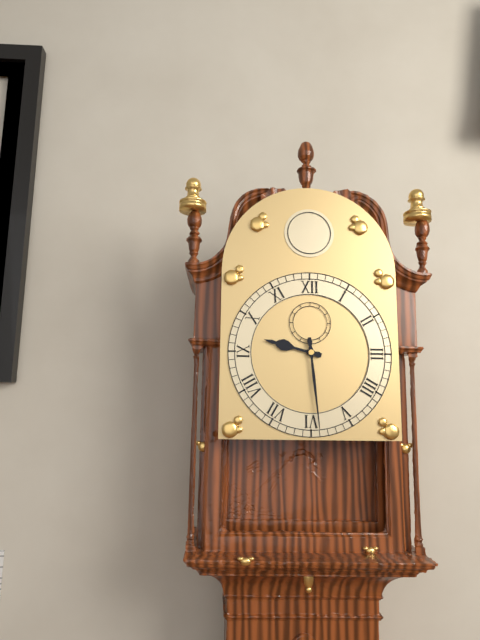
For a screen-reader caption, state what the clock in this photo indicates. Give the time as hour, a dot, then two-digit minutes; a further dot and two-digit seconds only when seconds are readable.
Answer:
9.29
